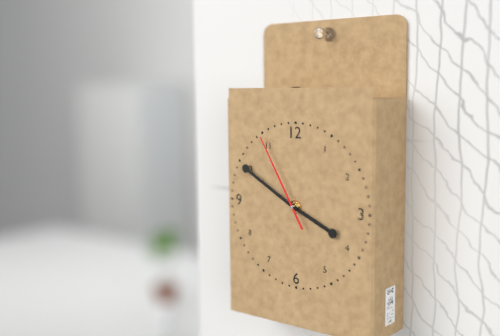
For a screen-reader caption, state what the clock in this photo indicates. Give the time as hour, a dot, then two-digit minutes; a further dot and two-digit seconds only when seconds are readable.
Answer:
3.50.55
